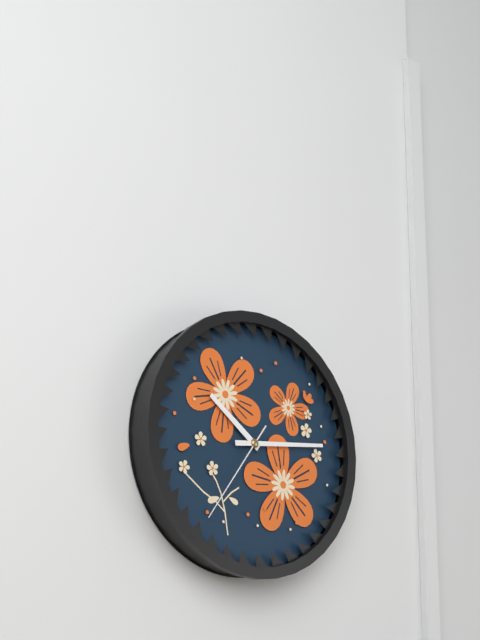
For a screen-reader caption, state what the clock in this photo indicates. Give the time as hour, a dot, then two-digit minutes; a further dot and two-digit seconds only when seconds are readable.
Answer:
10.14.36
